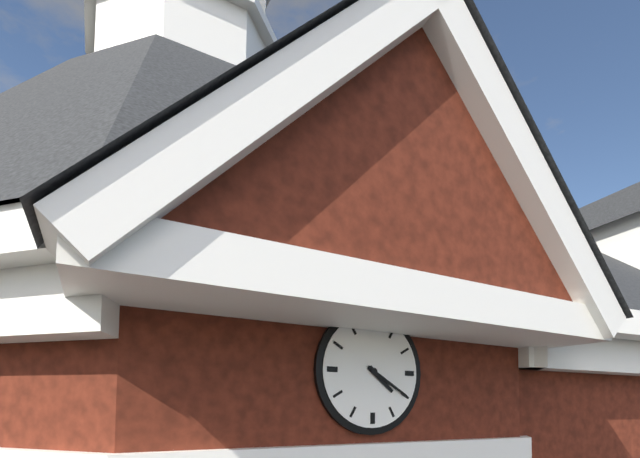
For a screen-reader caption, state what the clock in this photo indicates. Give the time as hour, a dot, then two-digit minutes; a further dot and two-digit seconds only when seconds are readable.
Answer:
4.20
